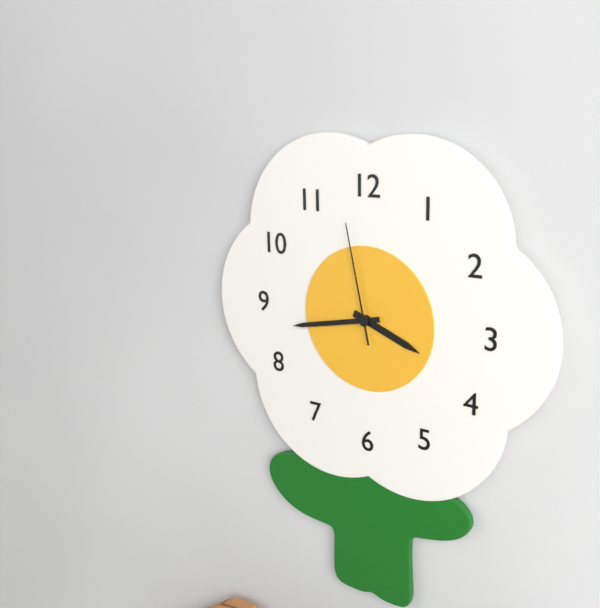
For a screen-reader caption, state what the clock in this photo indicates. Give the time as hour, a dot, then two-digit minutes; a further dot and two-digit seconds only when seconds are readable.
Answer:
3.43.58
